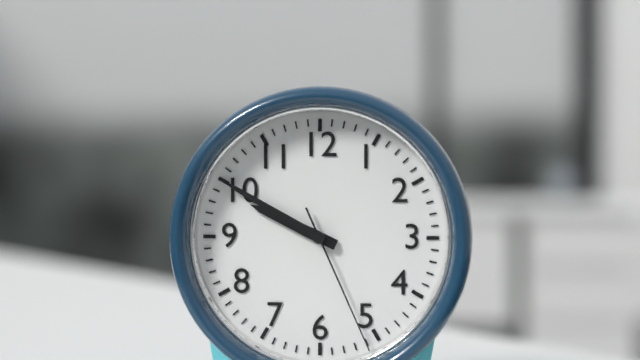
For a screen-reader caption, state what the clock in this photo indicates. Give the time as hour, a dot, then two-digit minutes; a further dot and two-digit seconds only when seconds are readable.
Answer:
9.50.26
